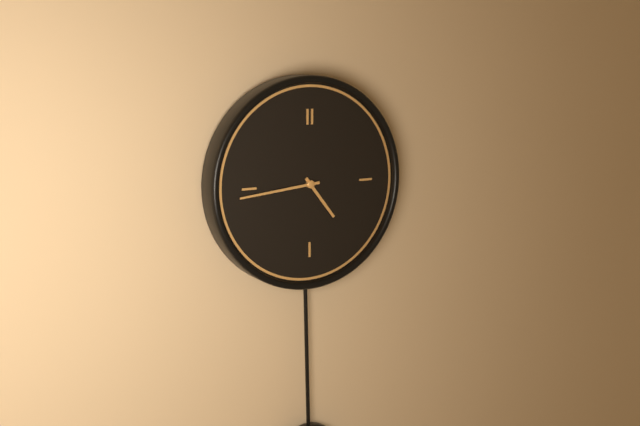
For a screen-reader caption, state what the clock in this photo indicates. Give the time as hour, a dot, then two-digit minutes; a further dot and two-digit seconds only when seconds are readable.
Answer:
4.44
